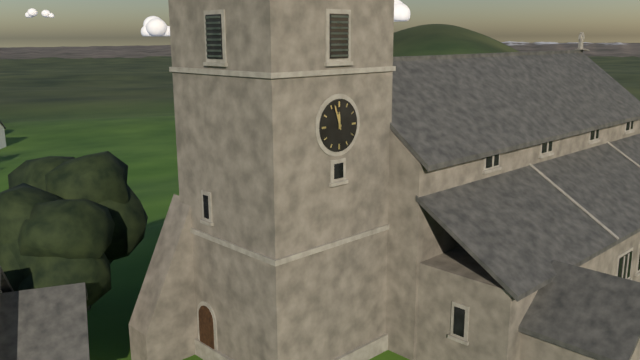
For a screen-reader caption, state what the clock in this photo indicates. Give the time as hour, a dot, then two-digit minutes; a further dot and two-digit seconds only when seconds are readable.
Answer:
11.57
